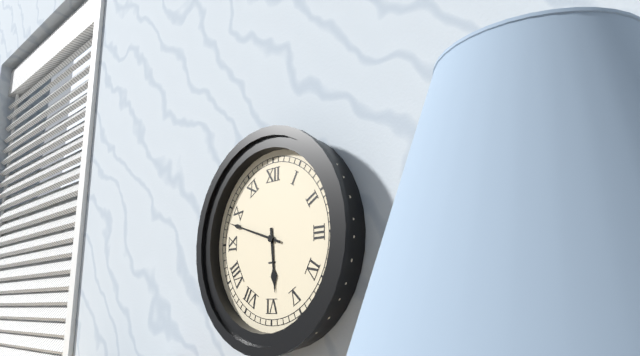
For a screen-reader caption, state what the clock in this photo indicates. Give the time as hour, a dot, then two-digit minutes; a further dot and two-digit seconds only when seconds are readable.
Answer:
5.48
